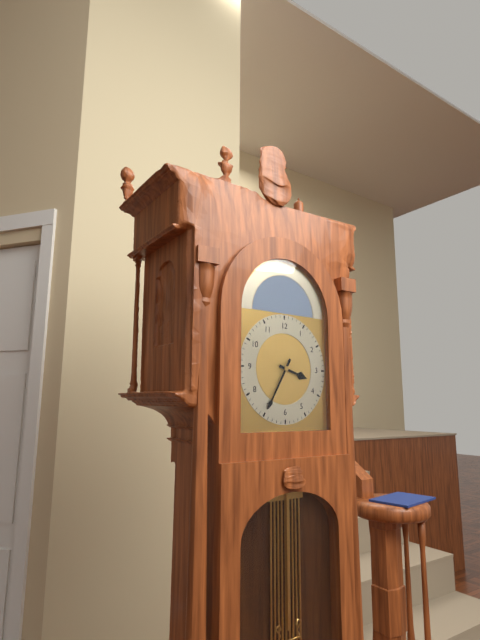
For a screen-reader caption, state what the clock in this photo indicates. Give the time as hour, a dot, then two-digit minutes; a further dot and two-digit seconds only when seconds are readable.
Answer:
3.35
